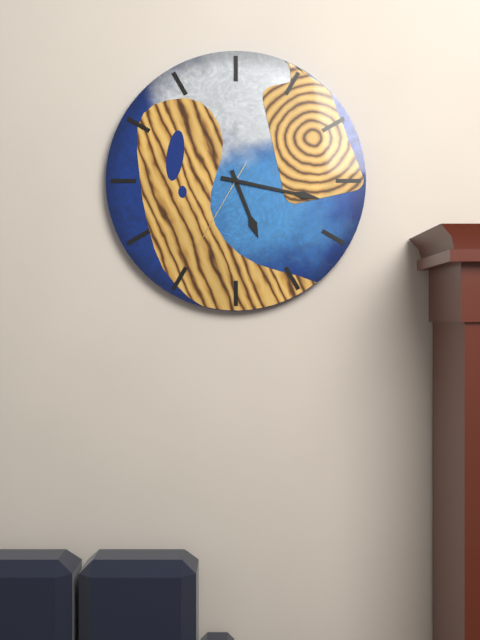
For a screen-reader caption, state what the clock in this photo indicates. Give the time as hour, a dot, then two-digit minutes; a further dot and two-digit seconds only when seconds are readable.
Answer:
5.17.35
